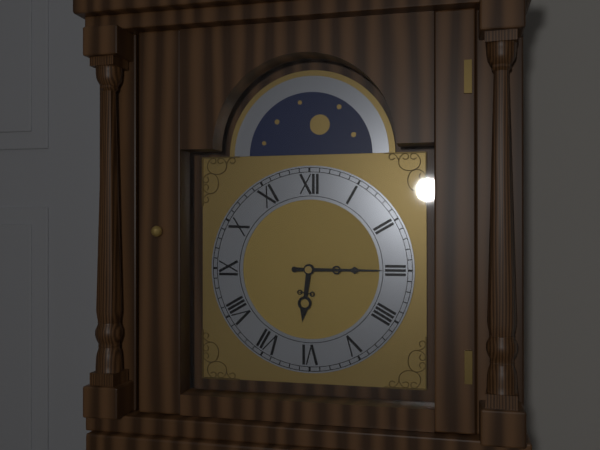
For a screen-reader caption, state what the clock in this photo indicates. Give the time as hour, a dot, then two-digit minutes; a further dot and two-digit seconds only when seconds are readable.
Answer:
6.15
